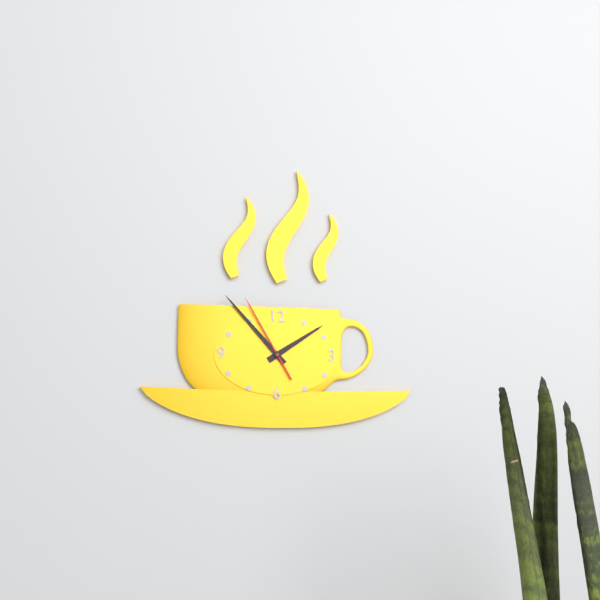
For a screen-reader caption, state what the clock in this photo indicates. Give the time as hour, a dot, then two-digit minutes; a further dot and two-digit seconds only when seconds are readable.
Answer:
1.53.55
